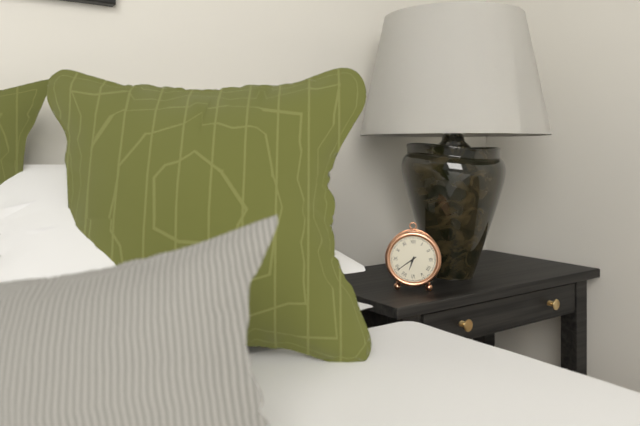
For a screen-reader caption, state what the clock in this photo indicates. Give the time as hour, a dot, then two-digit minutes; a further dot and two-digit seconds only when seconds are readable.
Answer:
6.39
